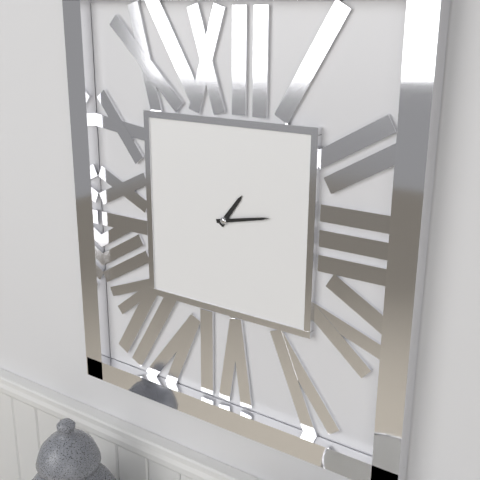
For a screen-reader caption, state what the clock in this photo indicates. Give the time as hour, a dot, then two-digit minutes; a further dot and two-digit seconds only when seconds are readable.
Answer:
1.13
